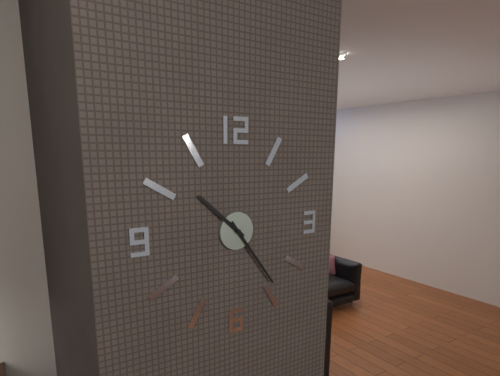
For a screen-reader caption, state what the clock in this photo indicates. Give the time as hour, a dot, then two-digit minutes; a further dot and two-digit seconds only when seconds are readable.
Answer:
10.24
